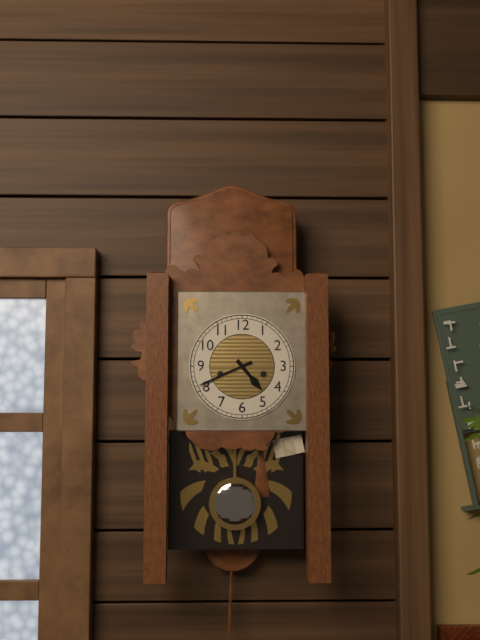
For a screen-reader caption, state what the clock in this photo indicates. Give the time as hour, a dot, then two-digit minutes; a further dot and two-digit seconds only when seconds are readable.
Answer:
4.41
